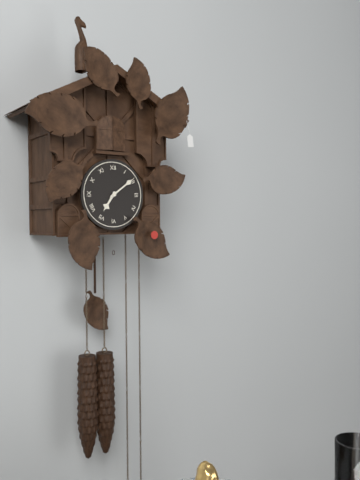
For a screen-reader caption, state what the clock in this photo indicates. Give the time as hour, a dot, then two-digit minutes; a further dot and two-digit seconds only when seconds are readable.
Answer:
7.09
